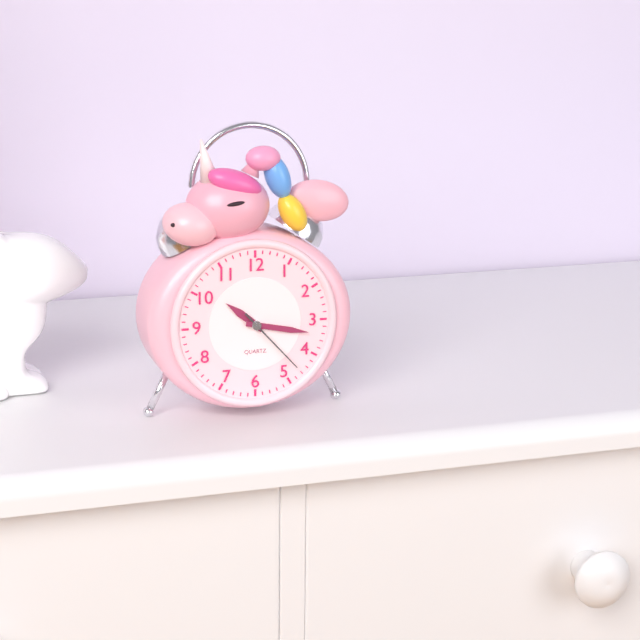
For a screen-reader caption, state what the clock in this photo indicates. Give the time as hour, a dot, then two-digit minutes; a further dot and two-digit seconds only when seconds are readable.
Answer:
10.17.23
